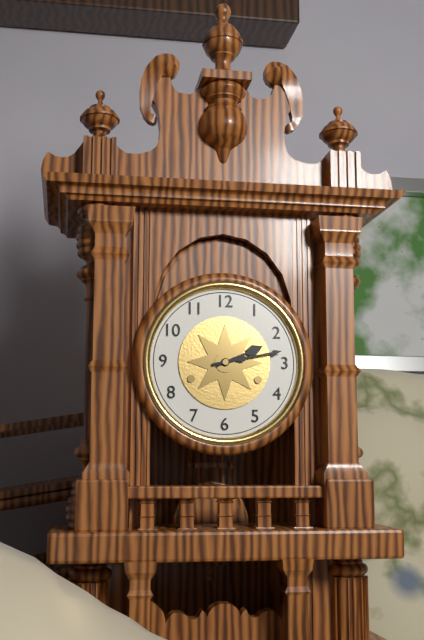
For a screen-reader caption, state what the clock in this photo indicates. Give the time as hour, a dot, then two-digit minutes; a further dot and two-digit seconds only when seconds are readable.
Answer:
2.13
